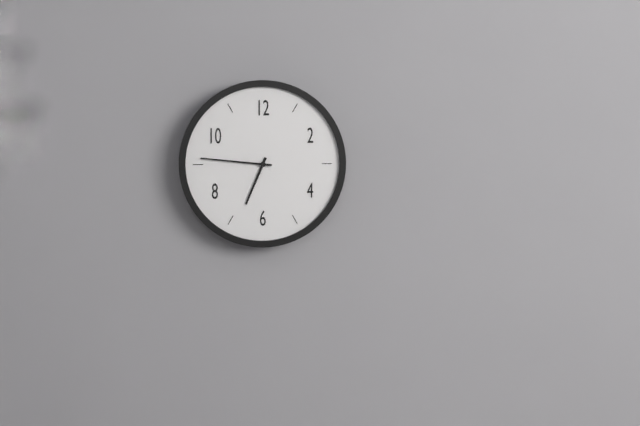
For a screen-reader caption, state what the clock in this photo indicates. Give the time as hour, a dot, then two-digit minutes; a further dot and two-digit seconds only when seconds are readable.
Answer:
6.46
